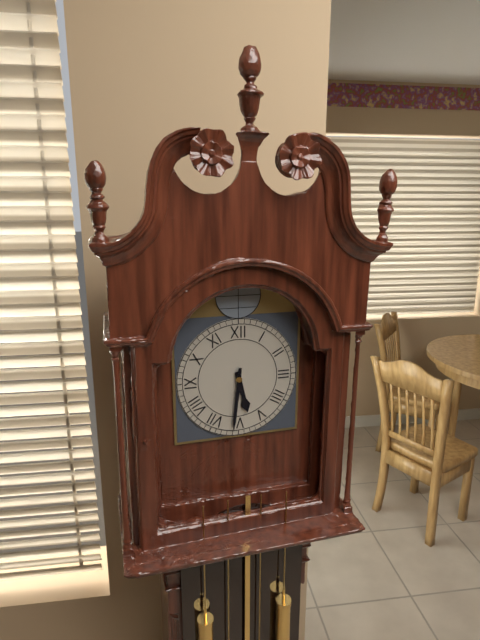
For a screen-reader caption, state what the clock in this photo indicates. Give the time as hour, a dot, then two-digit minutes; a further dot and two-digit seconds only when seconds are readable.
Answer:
5.31
